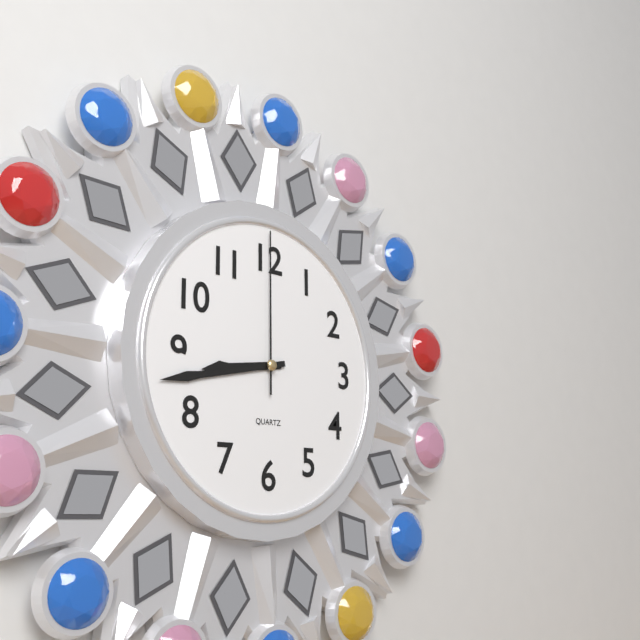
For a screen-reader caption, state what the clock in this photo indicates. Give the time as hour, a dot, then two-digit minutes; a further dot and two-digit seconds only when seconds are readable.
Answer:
8.43.00
